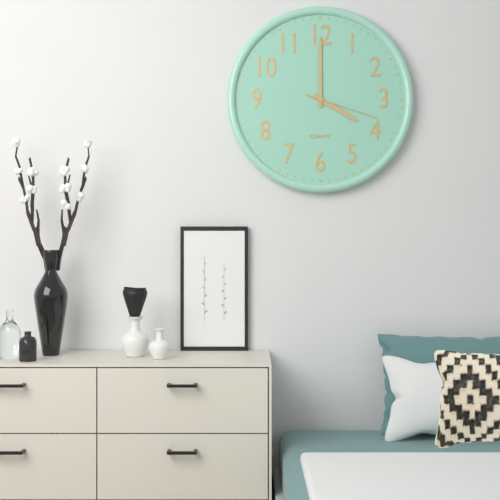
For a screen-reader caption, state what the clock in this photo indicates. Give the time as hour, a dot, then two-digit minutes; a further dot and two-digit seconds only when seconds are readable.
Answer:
4.00.18
